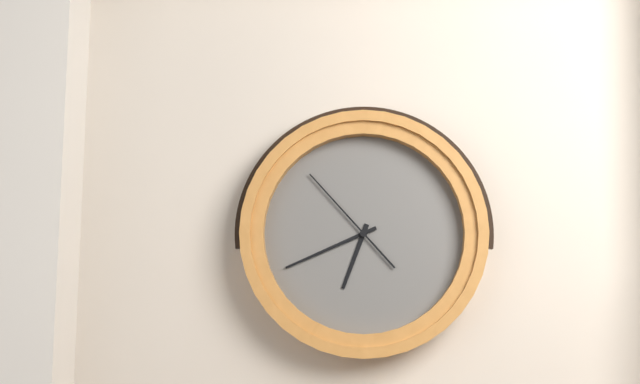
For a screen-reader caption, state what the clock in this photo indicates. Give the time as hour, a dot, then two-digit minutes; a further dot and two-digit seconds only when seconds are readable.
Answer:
6.41.53
